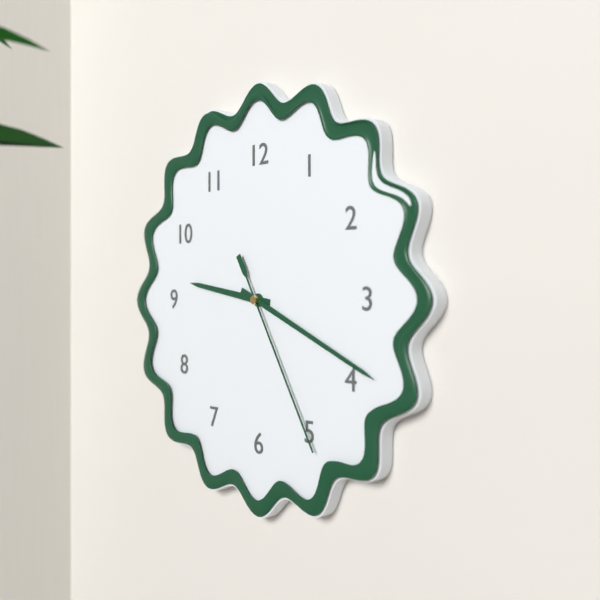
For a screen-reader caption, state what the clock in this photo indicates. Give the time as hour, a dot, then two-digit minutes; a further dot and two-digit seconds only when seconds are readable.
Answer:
9.19.25
